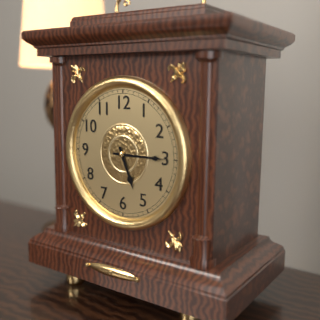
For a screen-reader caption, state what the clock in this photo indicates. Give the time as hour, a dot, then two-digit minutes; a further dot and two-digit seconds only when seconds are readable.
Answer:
5.15
